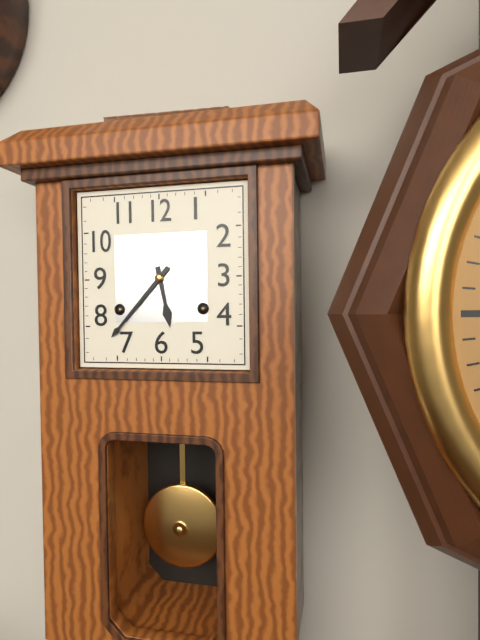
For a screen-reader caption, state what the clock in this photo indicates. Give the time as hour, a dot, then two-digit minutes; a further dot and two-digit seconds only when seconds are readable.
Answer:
5.37
